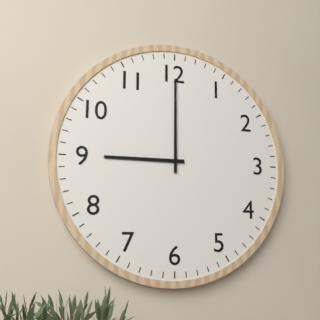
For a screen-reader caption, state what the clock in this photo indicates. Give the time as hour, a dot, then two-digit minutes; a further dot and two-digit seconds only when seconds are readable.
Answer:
9.00
